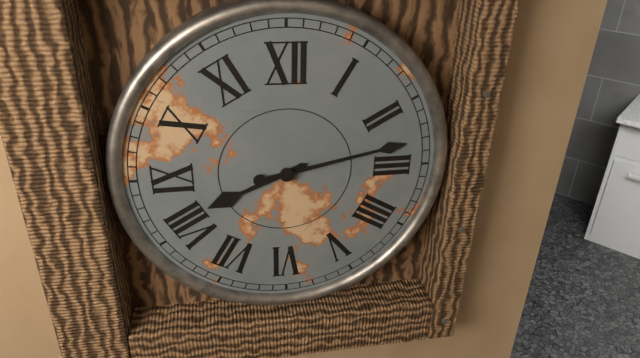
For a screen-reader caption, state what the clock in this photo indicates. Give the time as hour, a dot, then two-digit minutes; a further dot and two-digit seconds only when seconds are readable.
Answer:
8.13
